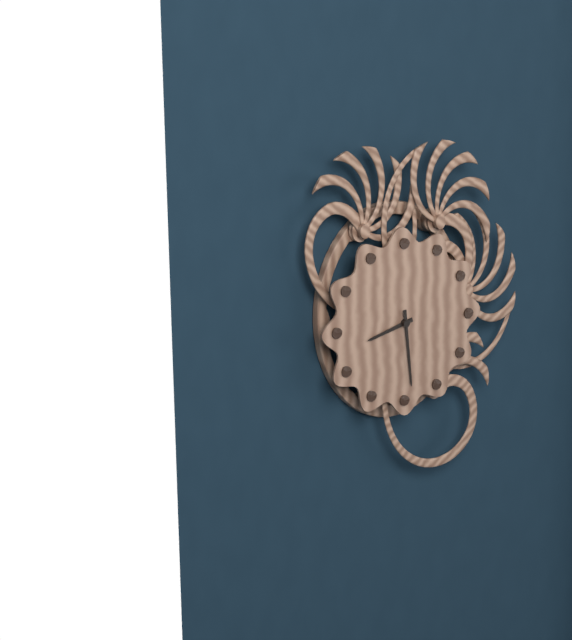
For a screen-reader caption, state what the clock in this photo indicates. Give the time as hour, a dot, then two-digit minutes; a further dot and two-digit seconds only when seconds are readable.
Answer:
8.29
